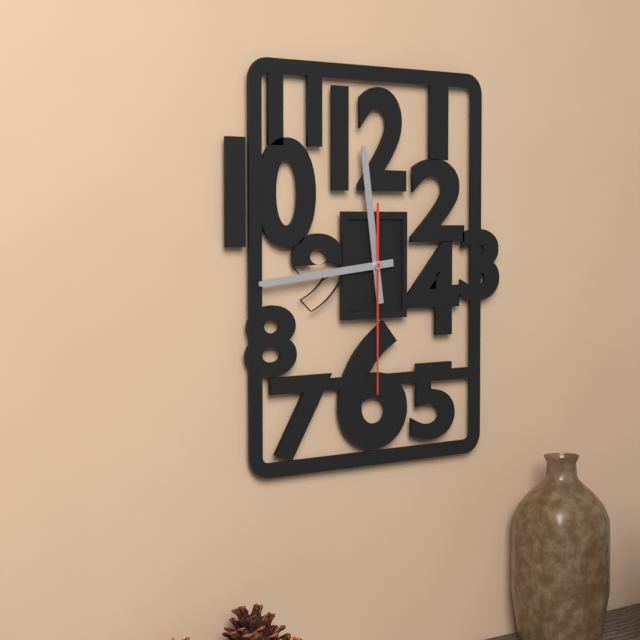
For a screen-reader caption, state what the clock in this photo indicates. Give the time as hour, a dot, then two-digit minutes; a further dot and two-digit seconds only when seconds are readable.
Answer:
11.44.30
